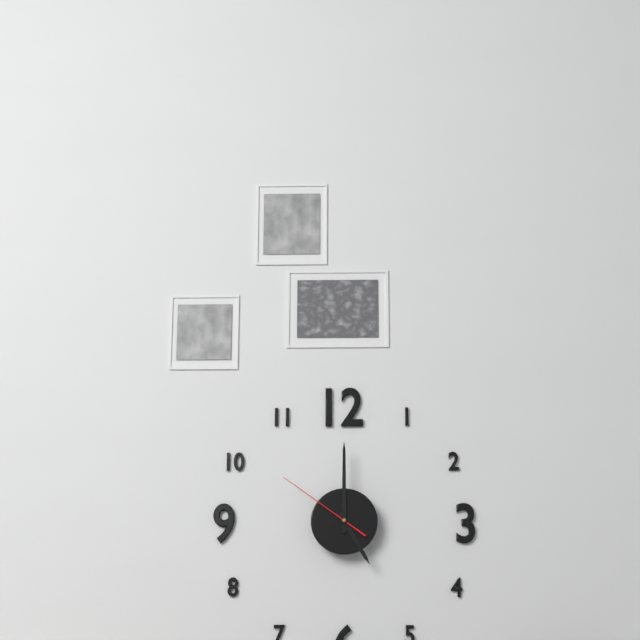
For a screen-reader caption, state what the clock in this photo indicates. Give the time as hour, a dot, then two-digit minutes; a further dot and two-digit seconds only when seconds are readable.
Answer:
5.00.51
